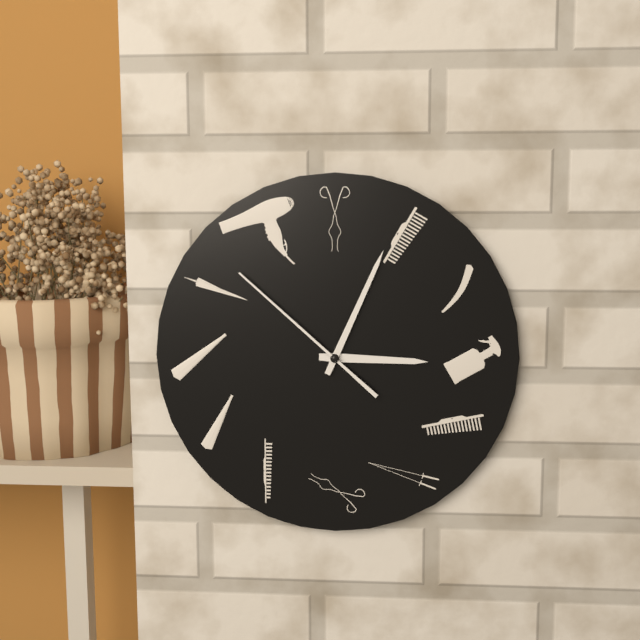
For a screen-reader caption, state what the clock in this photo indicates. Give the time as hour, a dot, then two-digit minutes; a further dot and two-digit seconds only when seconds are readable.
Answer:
3.04.52
